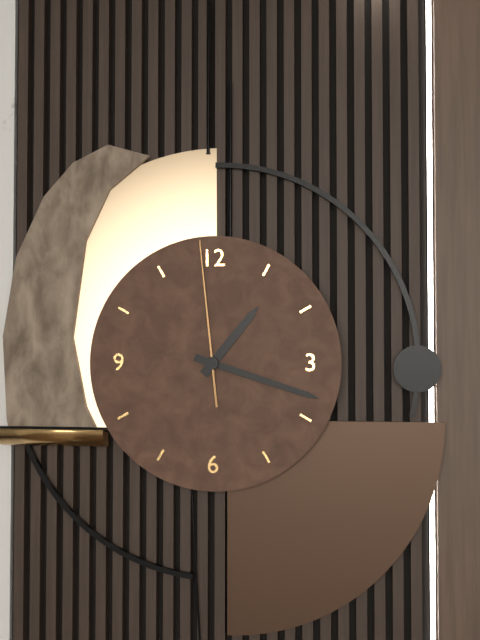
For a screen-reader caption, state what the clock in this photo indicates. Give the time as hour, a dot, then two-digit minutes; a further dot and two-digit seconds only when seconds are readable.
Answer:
1.18.59
